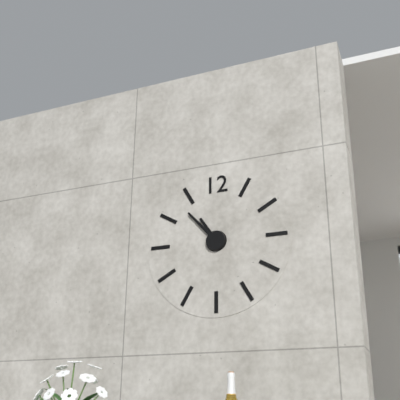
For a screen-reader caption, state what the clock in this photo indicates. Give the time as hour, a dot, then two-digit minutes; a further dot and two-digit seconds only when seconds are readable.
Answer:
10.53
